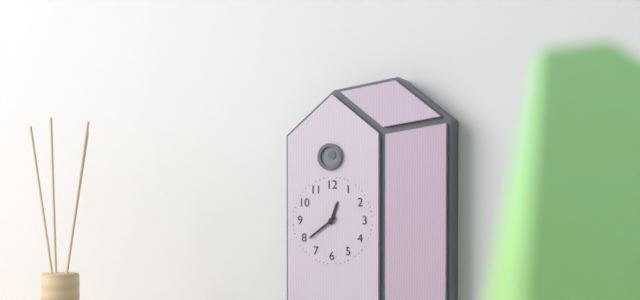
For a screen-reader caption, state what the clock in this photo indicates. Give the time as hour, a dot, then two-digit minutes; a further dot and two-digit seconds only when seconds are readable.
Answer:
12.39
